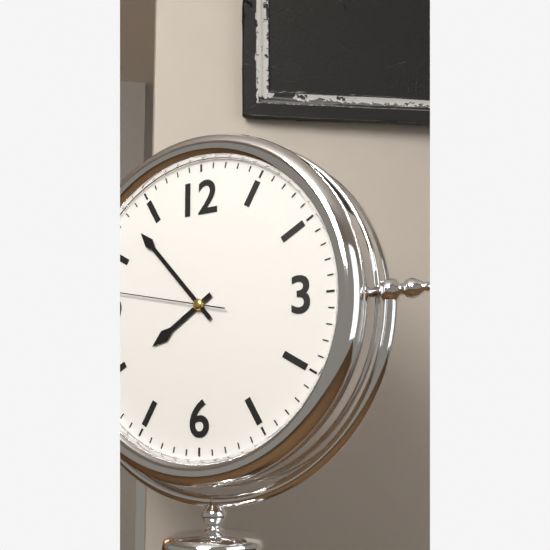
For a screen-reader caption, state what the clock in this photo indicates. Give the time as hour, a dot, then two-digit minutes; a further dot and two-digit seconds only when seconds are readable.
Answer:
7.53.47
